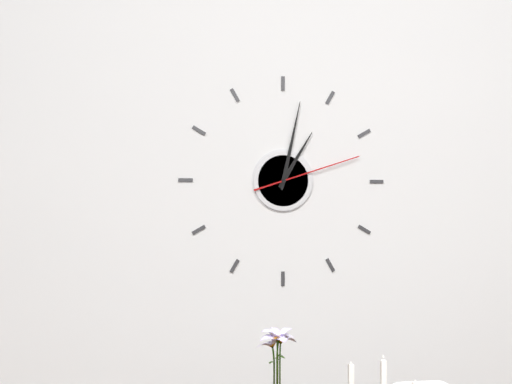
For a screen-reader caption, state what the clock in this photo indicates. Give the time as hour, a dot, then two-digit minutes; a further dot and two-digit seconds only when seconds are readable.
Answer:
1.02.12
